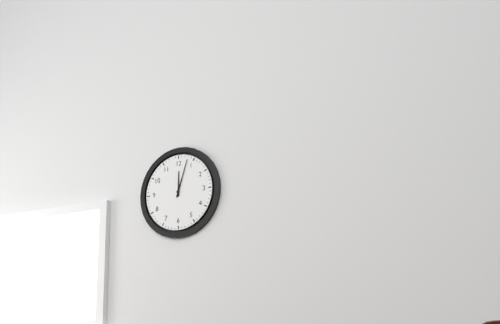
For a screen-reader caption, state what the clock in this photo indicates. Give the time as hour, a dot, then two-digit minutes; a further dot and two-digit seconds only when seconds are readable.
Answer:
12.03
